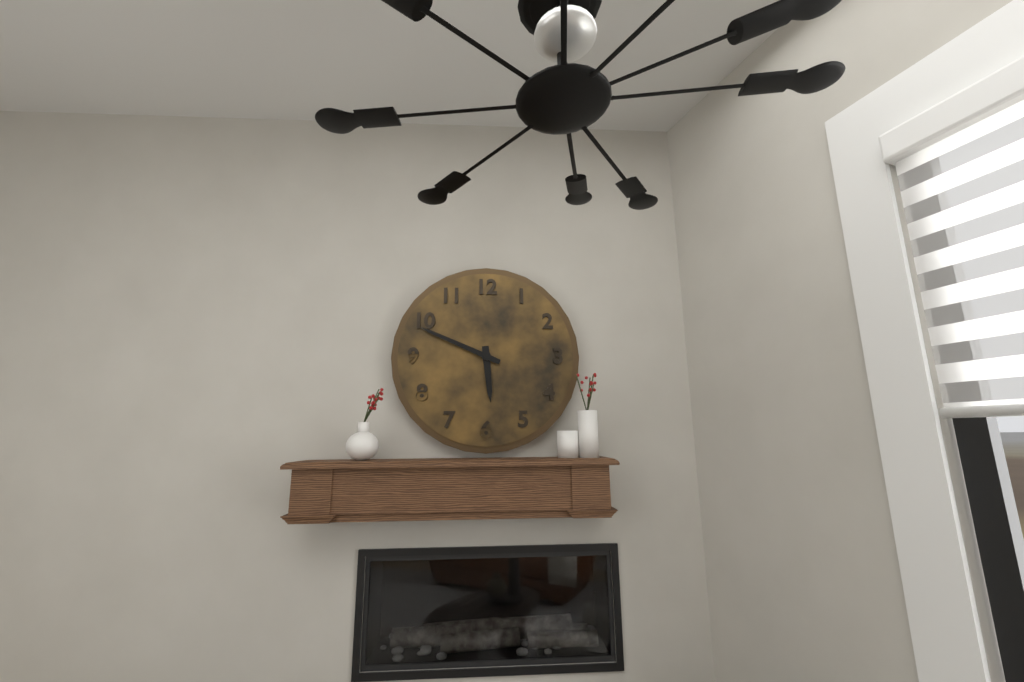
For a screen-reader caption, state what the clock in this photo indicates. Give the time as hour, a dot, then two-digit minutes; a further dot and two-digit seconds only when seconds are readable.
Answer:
5.49
